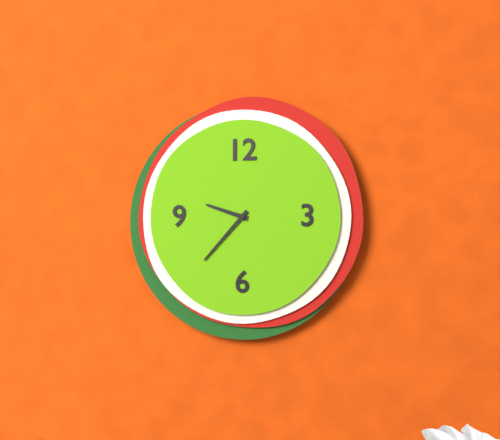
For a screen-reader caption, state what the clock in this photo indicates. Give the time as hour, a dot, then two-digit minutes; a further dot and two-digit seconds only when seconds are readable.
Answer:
9.37
